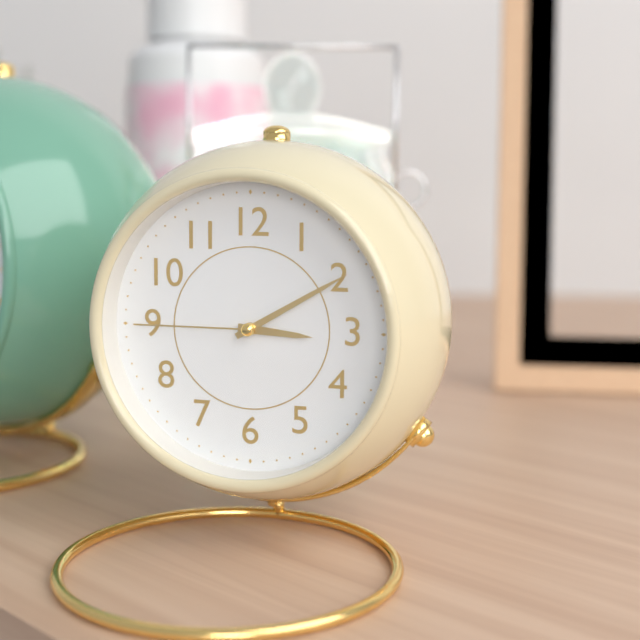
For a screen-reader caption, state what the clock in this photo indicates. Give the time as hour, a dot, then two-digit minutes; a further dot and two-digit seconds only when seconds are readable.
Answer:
3.10.45
